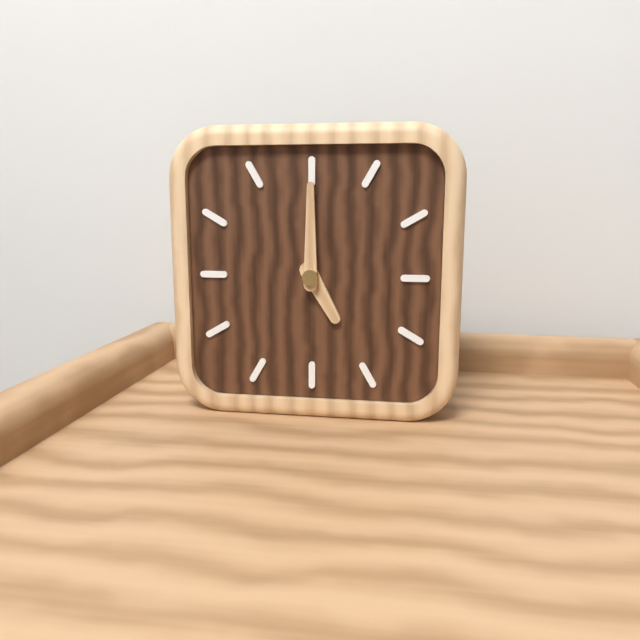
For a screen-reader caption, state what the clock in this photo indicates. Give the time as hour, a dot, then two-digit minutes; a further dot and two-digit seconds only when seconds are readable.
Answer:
5.00
